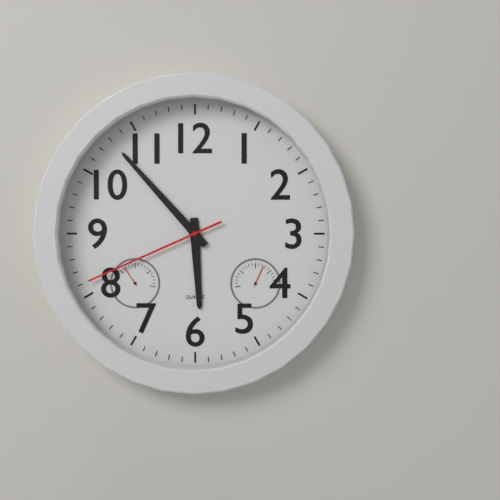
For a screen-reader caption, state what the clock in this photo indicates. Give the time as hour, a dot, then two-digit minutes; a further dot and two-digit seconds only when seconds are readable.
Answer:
5.53.41
